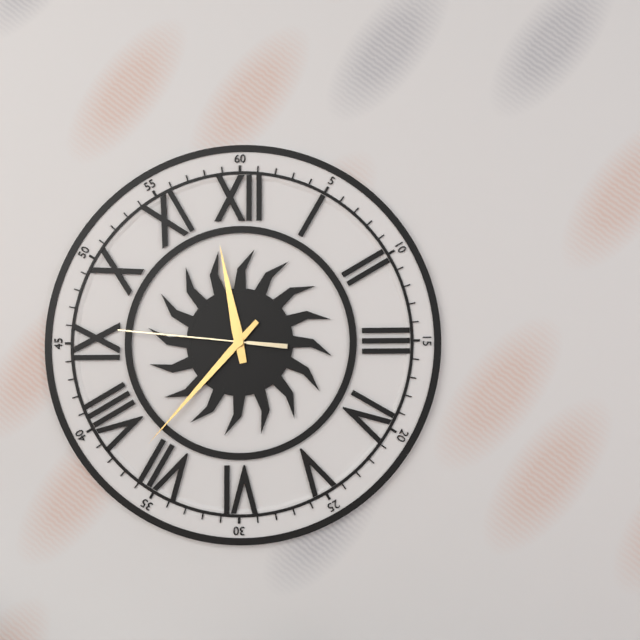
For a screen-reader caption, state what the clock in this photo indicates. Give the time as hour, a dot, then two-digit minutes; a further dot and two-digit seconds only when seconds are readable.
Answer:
11.37.46
